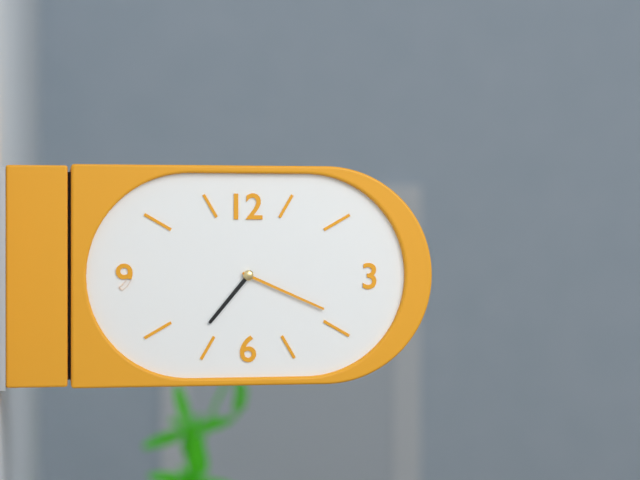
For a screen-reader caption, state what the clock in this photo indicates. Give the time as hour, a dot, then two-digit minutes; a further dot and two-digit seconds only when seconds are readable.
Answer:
7.19
